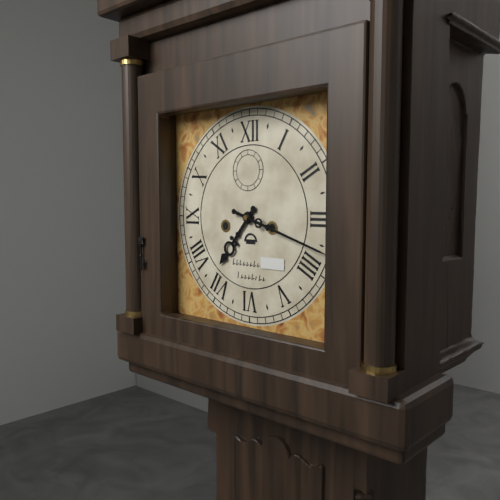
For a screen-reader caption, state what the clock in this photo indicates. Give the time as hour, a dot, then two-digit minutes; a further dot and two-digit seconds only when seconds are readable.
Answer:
7.18
